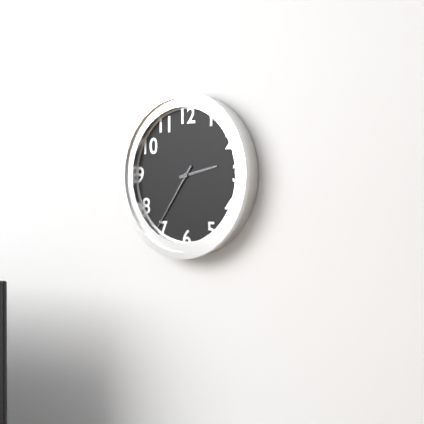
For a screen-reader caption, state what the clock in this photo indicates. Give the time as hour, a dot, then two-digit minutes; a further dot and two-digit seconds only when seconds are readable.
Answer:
2.36
